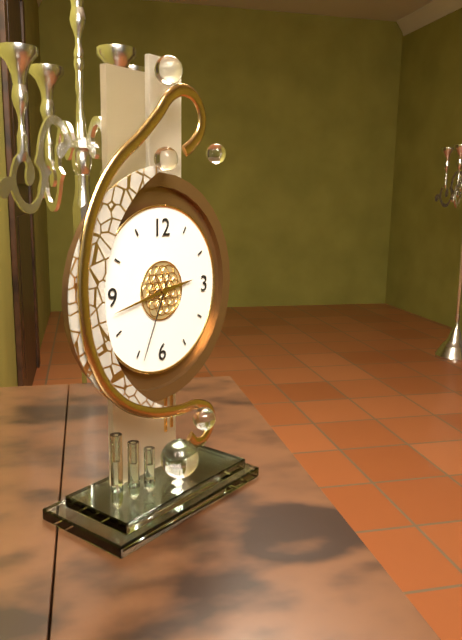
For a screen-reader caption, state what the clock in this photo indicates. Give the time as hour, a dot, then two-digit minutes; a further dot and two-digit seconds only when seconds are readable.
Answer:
2.43.34
